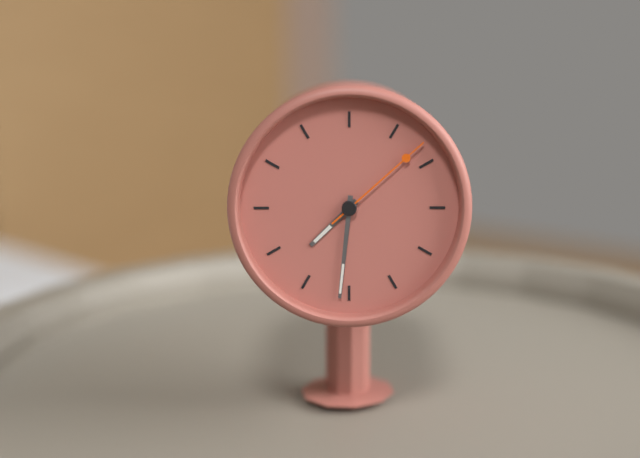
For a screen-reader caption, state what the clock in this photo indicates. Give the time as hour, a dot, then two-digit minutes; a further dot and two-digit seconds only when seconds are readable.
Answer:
7.31.08
